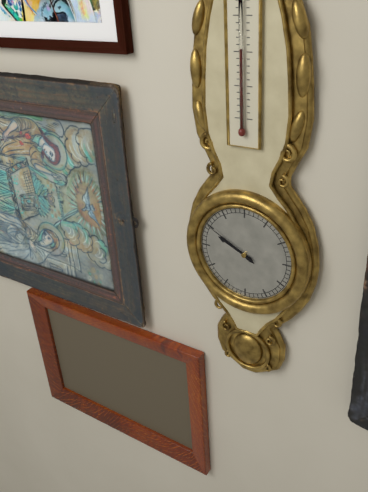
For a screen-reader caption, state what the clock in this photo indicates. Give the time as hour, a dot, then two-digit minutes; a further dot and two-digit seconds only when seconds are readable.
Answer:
9.50
